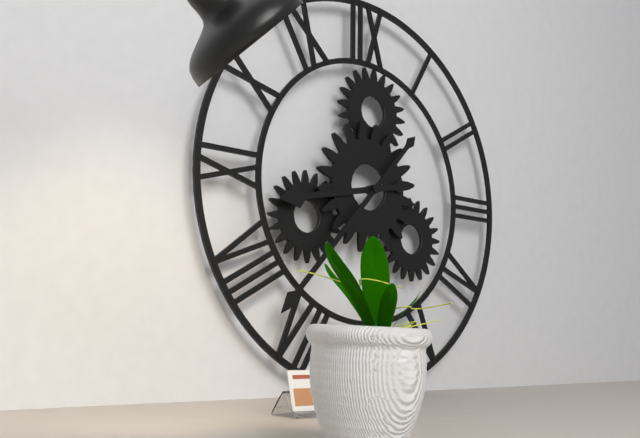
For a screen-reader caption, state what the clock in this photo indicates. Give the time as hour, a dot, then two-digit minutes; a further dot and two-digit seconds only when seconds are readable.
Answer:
8.37
